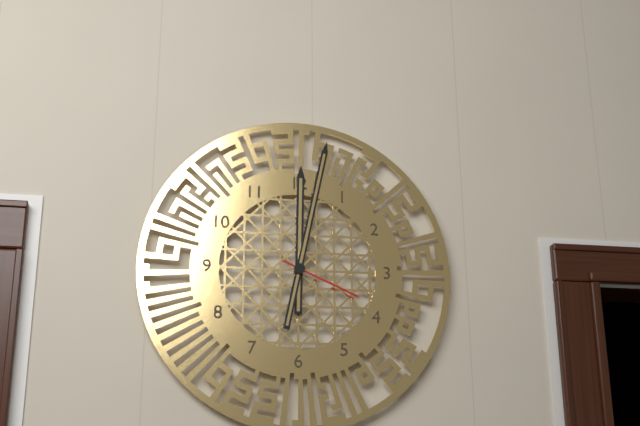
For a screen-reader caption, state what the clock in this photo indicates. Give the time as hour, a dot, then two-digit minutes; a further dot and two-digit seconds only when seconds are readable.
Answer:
12.02.19
